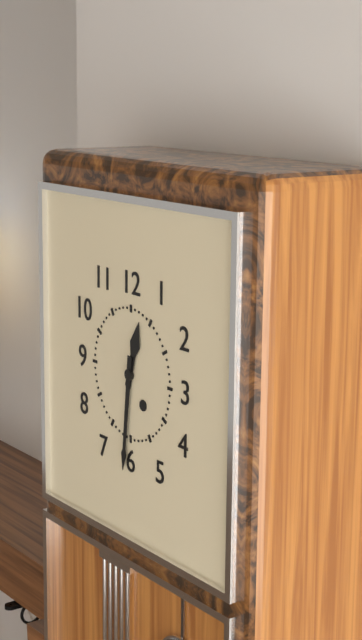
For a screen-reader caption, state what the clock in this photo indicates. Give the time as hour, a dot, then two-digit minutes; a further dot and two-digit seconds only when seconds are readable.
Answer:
12.31
